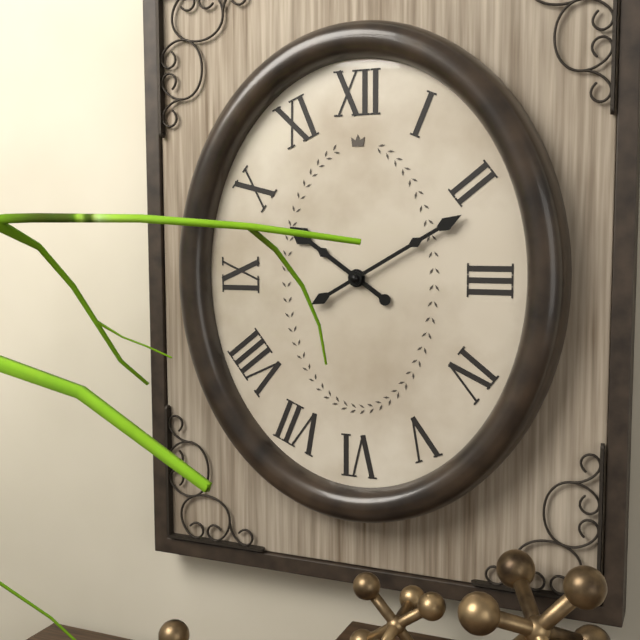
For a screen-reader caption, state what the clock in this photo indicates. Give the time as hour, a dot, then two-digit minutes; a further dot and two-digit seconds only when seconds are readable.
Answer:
10.10
